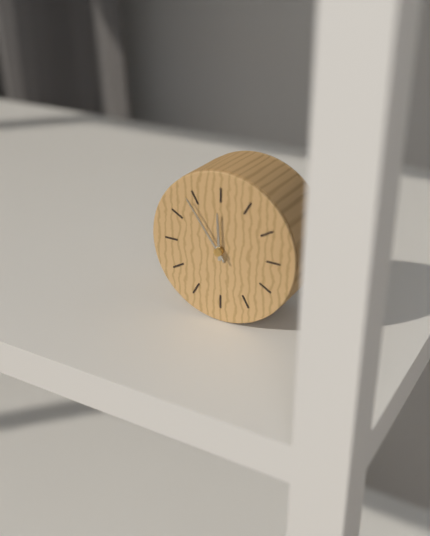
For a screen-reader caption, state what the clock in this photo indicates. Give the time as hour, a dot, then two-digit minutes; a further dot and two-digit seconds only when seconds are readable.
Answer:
11.54
